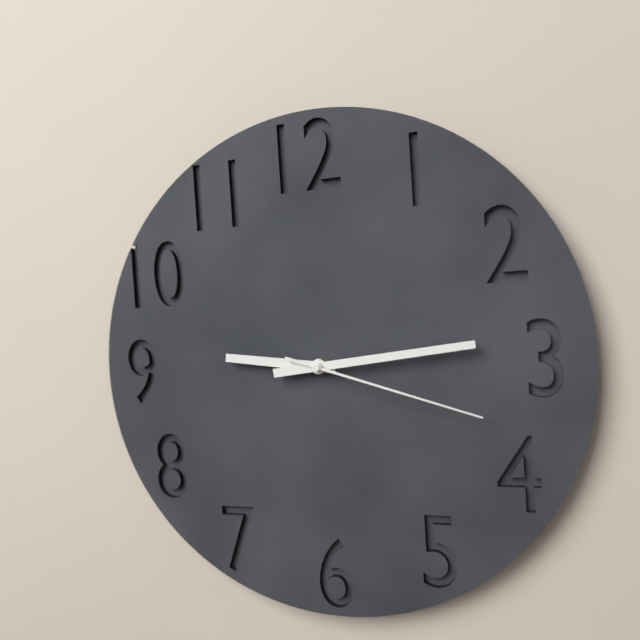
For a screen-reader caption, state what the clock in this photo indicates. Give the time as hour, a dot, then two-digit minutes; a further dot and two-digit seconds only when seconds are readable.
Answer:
9.14.18
